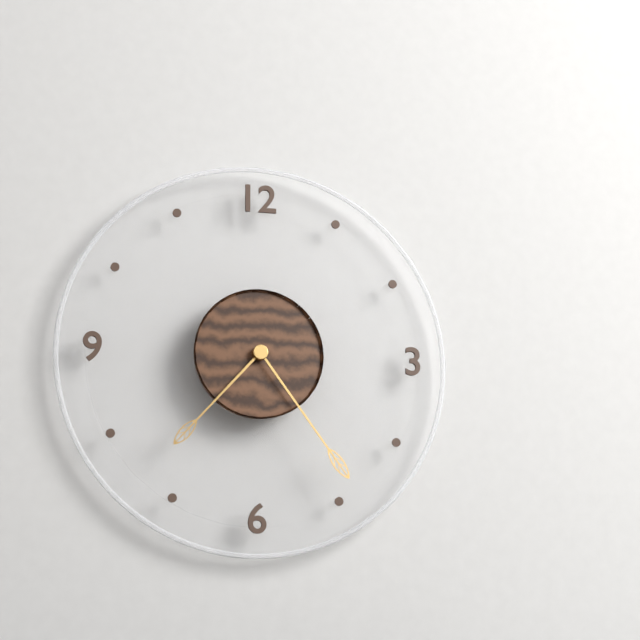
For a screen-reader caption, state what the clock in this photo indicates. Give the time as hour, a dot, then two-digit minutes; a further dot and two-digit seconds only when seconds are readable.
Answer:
7.24
